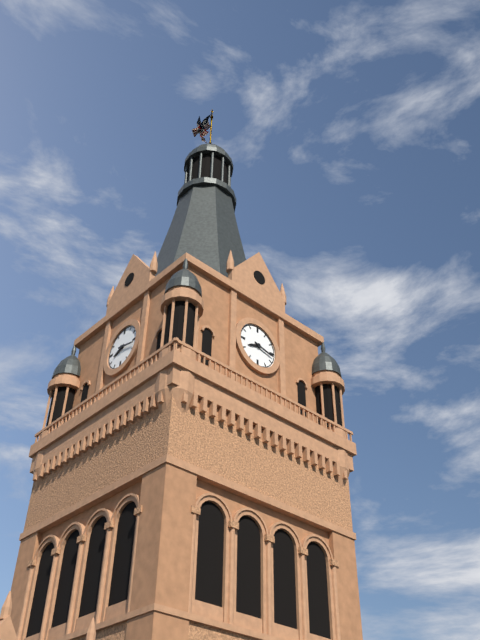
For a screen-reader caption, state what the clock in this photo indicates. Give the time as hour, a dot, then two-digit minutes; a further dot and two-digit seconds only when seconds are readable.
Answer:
8.17
